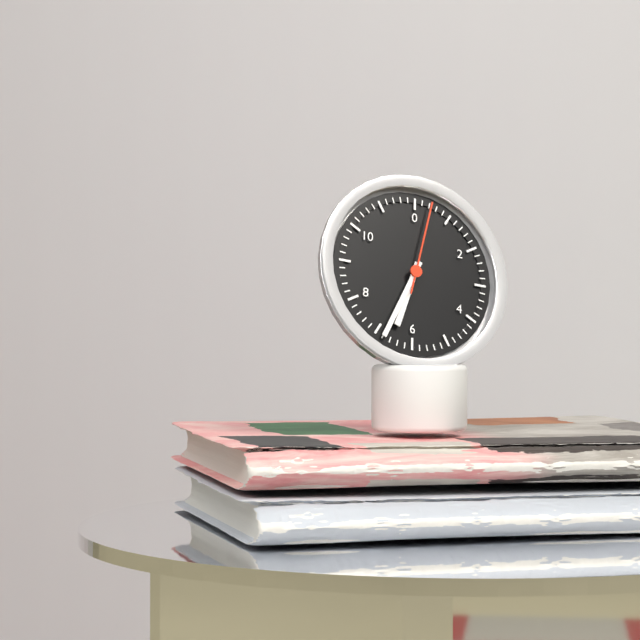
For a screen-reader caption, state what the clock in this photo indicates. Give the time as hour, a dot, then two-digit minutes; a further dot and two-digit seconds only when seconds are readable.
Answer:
6.34.02
